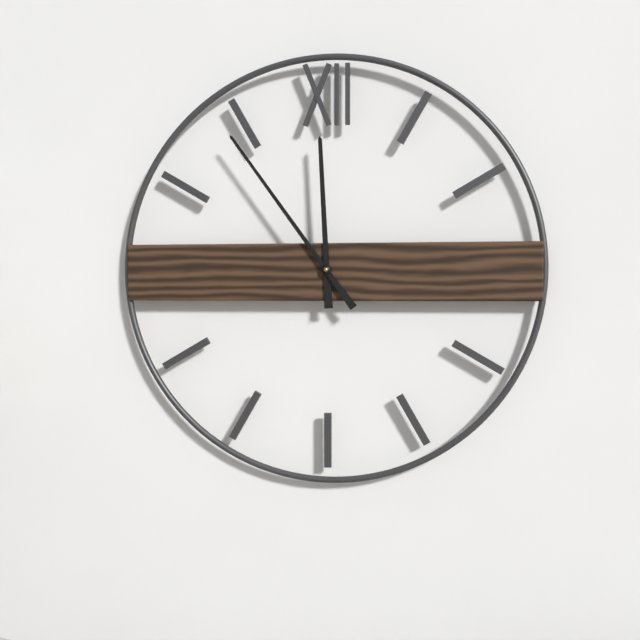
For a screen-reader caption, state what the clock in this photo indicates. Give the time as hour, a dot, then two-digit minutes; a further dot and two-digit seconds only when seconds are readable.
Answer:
11.54
